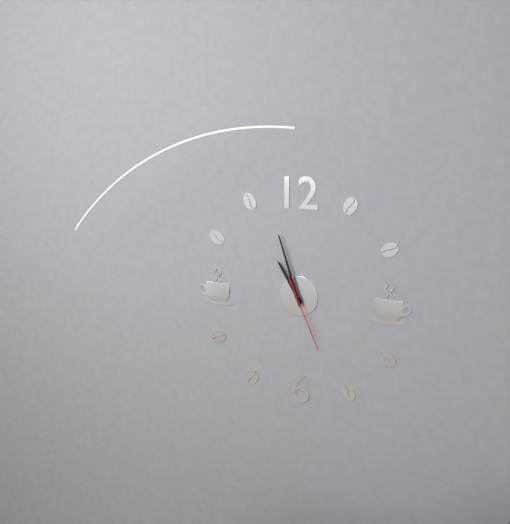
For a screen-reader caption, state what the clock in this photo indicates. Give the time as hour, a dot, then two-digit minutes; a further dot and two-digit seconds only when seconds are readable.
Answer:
10.57.26
